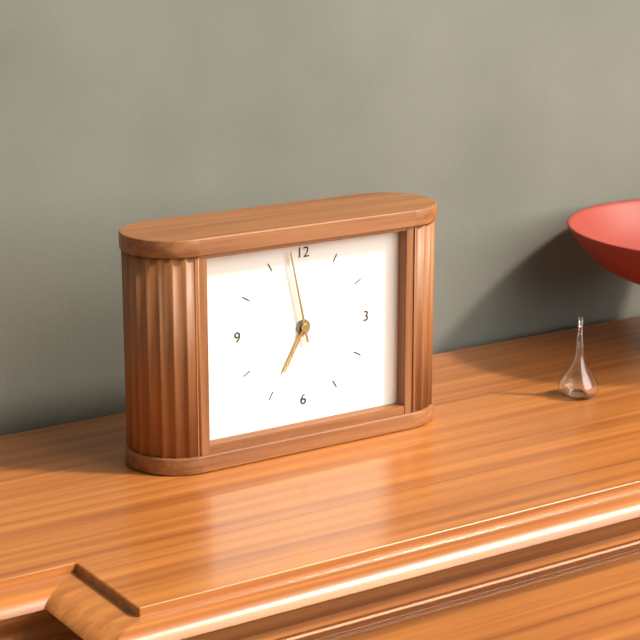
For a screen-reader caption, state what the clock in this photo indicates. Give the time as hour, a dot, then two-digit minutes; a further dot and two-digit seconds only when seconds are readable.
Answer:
6.58
